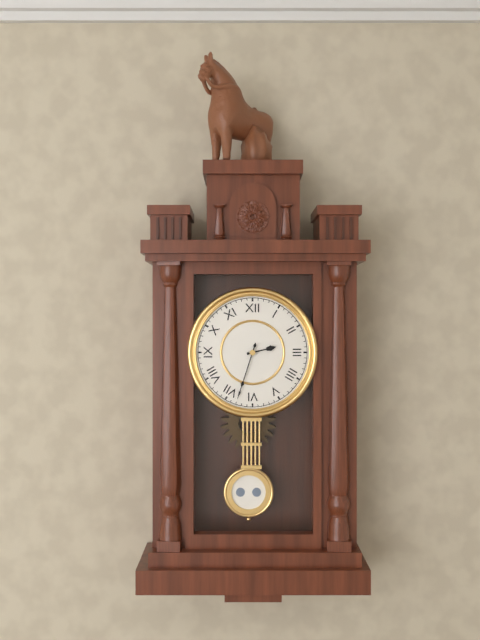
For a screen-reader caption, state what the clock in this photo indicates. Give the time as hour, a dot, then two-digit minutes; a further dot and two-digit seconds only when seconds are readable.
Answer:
2.33
